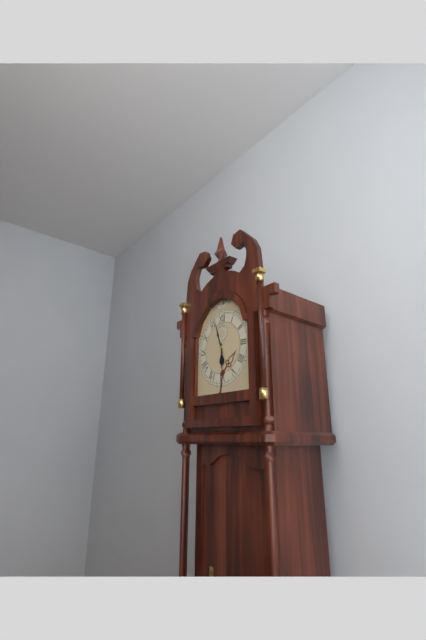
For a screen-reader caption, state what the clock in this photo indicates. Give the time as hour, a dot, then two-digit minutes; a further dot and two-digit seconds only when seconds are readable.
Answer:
5.57
